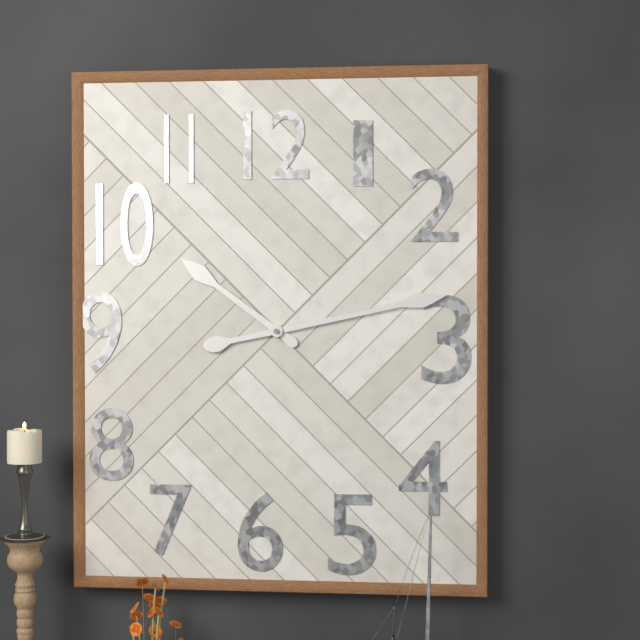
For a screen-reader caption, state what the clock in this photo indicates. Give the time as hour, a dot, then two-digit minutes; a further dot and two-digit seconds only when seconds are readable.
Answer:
10.13
